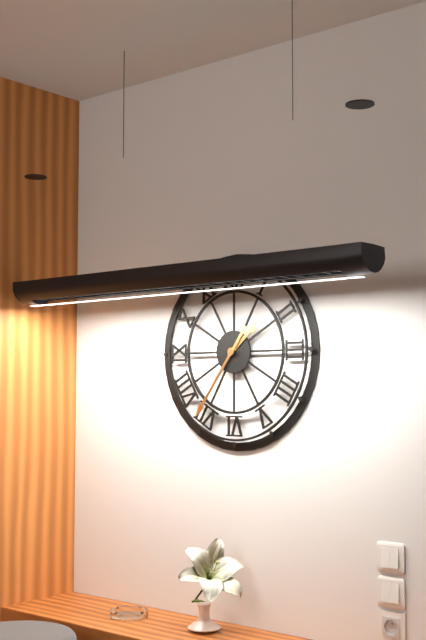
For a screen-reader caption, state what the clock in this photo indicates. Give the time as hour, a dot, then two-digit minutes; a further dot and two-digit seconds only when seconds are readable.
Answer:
1.36
